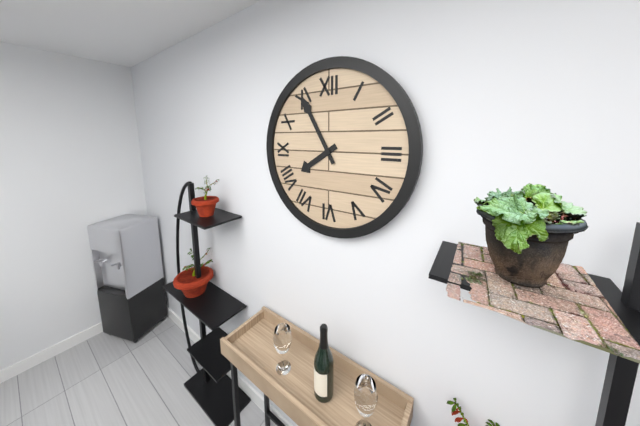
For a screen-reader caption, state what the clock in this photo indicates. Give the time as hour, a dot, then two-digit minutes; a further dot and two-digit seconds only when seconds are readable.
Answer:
7.55
